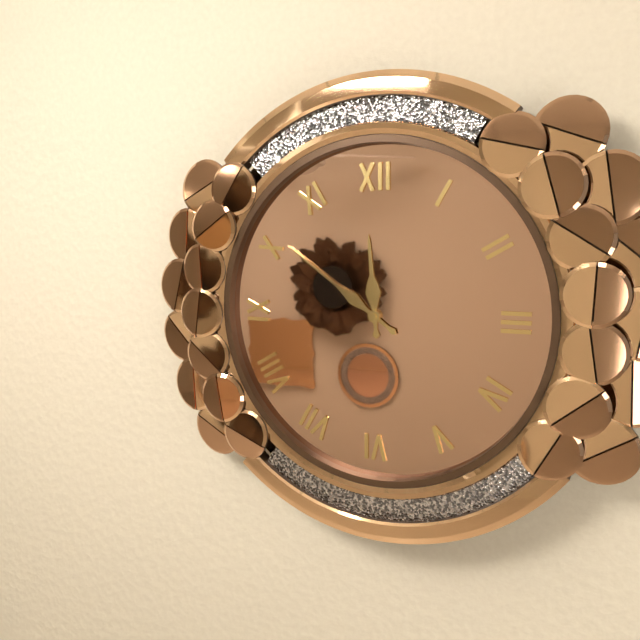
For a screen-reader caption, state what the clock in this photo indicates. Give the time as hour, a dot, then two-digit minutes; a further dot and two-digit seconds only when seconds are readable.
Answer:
11.51
